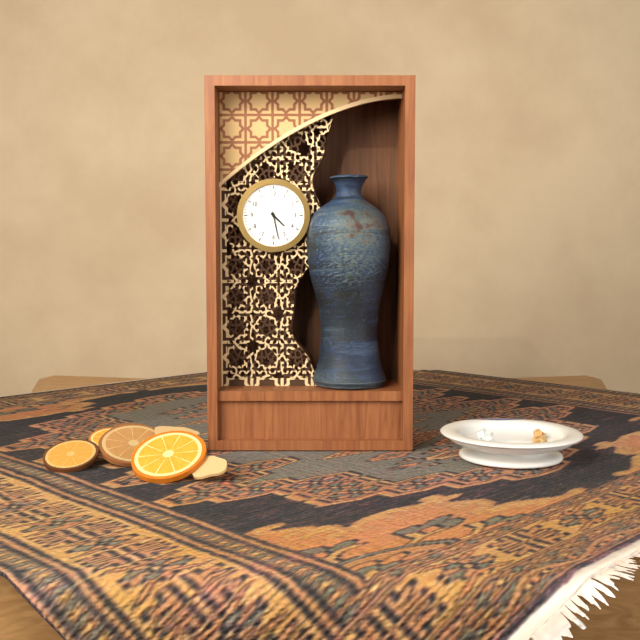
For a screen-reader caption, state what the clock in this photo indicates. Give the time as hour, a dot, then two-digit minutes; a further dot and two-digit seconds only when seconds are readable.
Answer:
4.28
